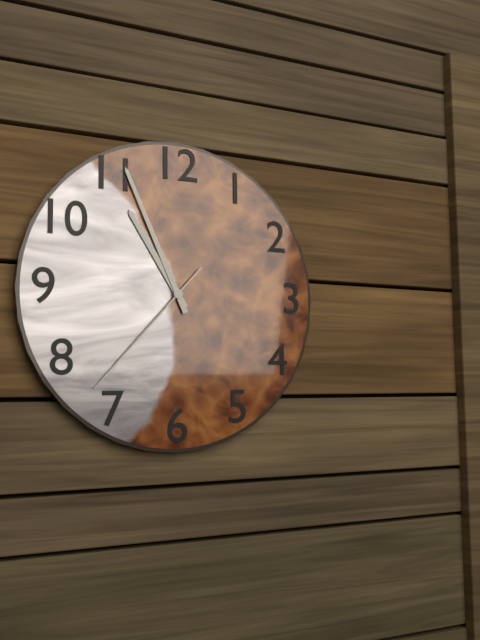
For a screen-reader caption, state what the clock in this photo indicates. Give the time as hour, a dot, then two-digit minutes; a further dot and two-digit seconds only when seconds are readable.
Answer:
10.56.37
